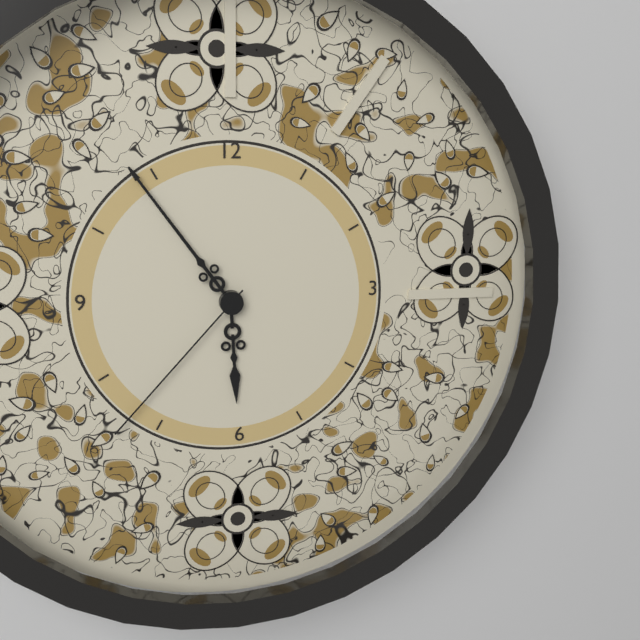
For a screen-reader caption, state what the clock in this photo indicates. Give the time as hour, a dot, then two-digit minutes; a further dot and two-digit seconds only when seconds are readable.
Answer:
5.54.37
